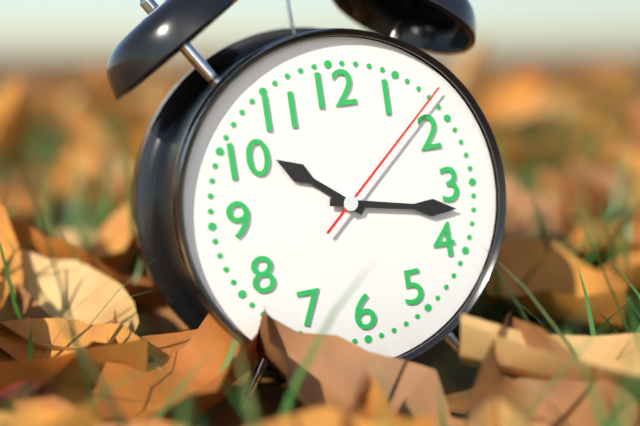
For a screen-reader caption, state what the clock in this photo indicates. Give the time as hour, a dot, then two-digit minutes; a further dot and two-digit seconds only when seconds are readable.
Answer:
10.17.08
